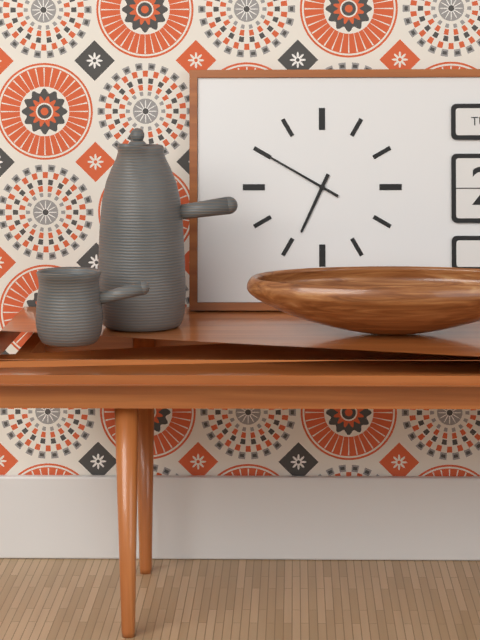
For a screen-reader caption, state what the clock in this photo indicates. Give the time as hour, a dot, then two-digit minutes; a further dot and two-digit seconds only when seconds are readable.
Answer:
6.50
